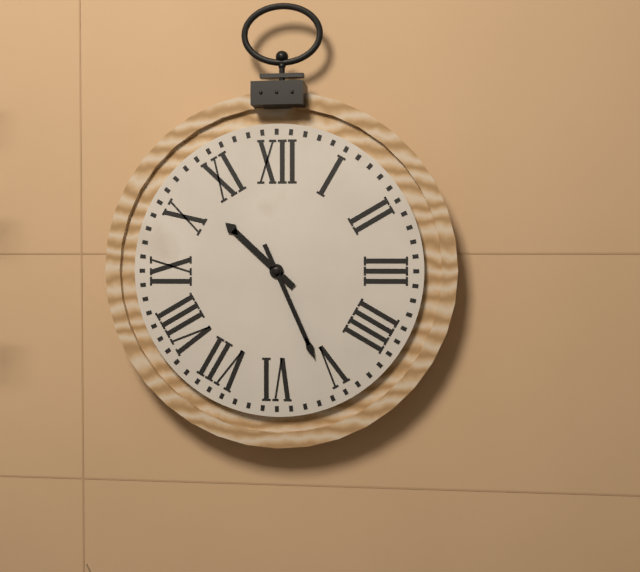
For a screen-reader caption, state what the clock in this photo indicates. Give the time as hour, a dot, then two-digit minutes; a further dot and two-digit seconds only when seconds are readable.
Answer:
10.26
